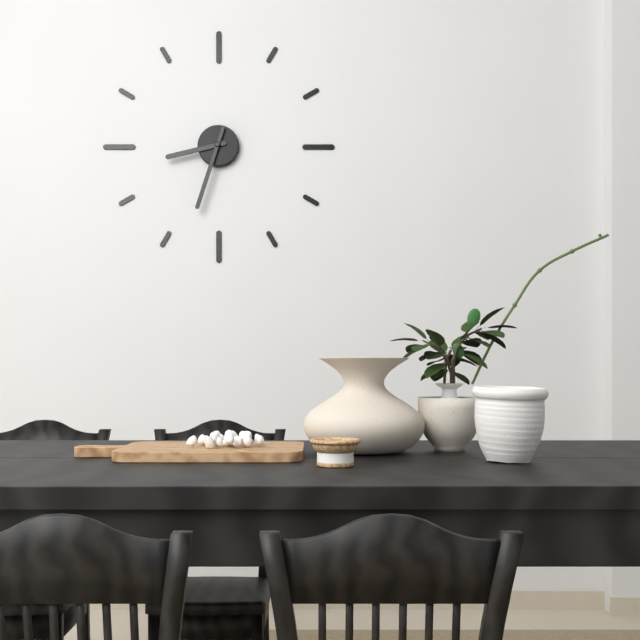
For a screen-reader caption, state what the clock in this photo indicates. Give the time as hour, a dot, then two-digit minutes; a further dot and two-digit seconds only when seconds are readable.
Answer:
8.33
